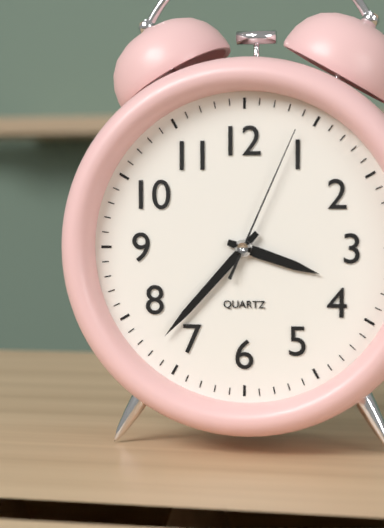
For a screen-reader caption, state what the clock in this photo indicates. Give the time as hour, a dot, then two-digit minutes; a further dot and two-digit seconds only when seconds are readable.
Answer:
3.37.04
